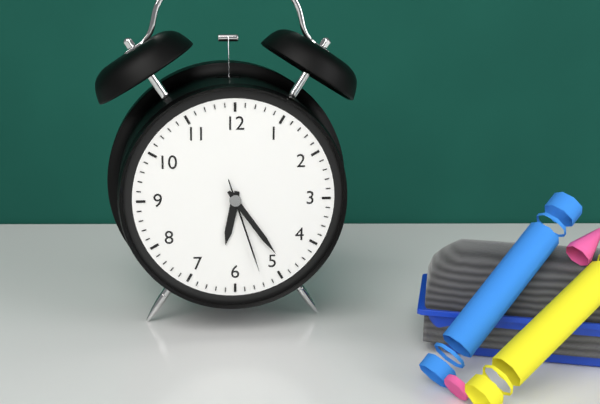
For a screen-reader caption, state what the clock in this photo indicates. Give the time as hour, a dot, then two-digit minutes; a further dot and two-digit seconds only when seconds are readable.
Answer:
6.24.27
